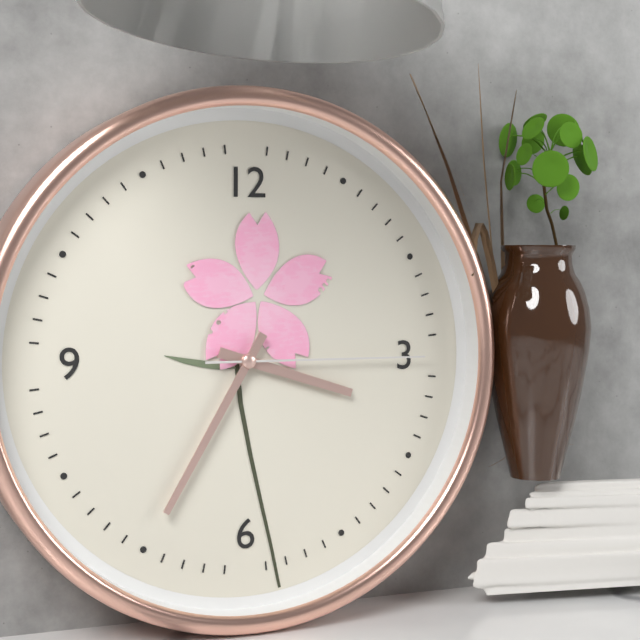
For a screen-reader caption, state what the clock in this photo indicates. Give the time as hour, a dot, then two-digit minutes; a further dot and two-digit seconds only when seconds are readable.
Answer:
3.35.15
